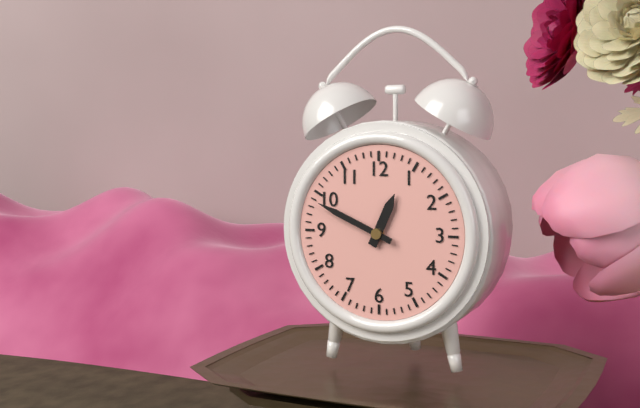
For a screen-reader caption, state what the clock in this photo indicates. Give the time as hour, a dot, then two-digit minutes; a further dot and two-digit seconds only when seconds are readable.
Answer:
12.49
